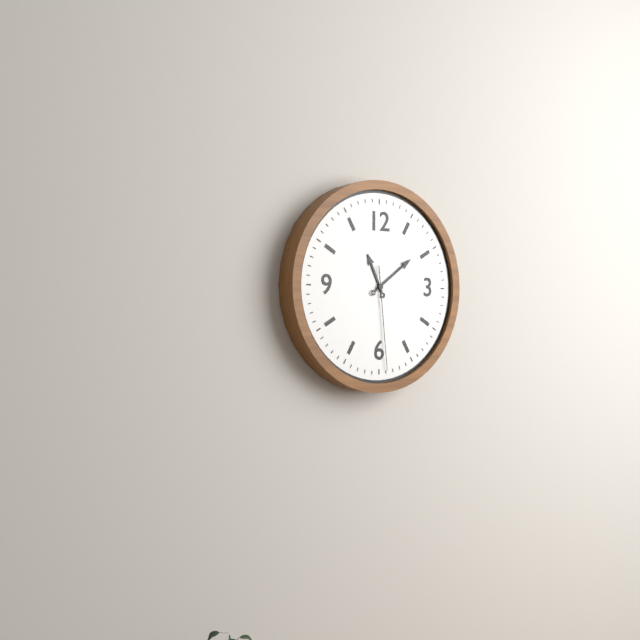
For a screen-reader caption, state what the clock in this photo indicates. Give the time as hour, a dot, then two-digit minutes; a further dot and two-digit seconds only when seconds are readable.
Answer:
11.09.29
